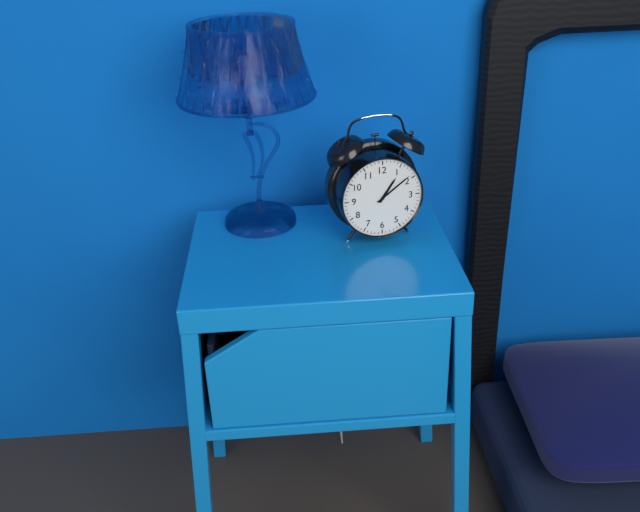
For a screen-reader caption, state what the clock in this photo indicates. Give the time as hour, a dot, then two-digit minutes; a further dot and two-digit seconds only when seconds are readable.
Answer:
1.09
